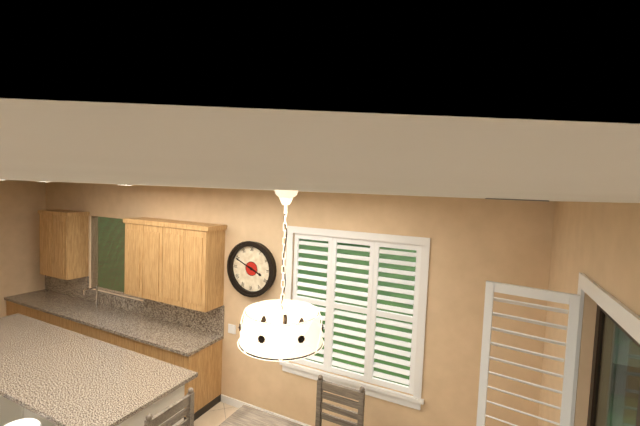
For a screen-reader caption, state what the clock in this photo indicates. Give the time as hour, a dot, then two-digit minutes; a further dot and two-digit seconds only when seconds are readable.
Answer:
3.49
